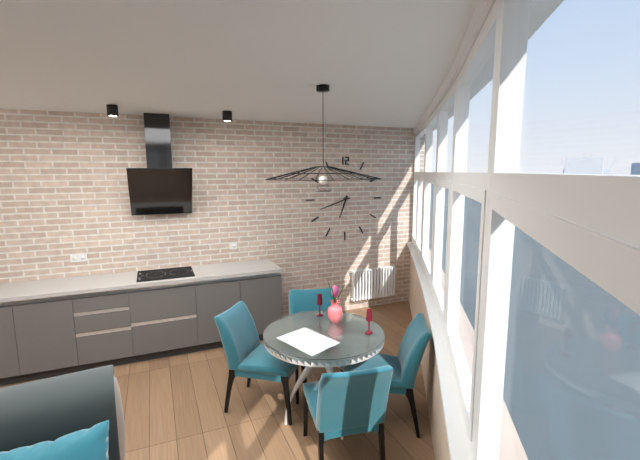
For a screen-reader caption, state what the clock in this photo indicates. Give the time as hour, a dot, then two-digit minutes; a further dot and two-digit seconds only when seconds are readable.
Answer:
6.42
